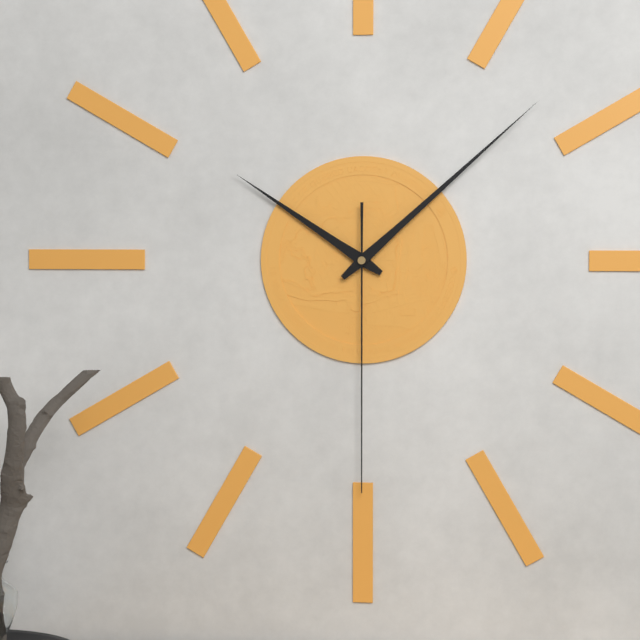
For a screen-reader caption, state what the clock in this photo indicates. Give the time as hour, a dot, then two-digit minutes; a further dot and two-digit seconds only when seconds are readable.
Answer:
10.08.30
